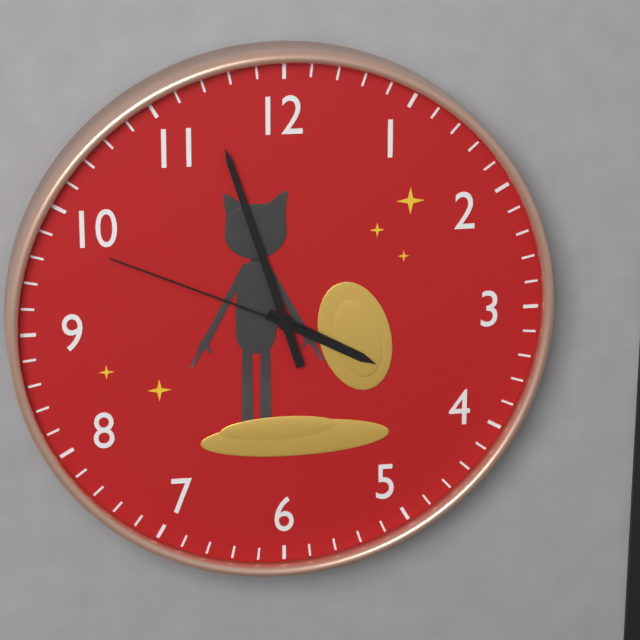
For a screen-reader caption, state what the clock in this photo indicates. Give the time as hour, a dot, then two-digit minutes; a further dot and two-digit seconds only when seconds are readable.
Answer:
3.57.49
